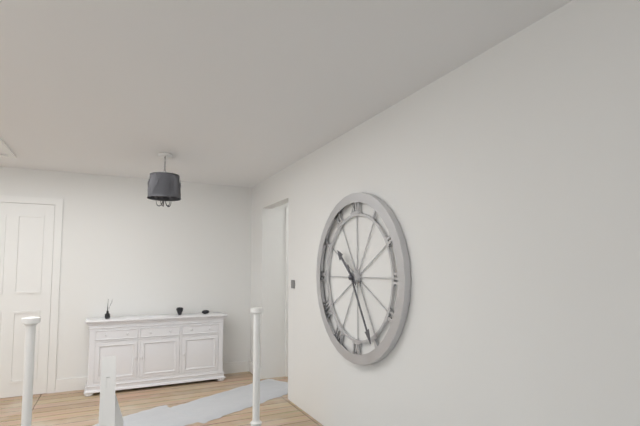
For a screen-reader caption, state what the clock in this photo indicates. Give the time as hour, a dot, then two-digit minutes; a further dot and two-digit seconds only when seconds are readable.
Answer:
10.25
